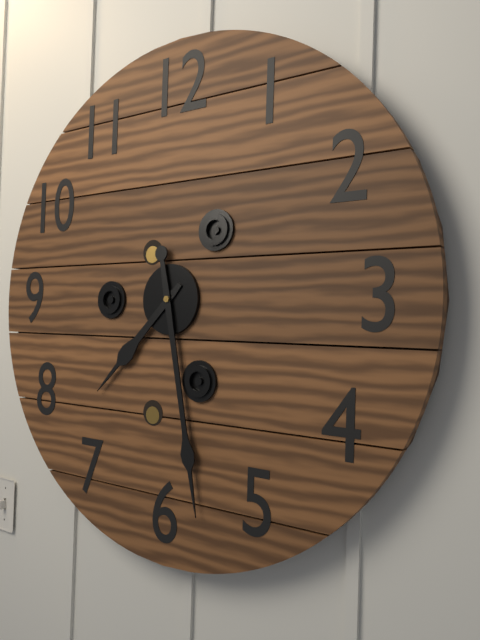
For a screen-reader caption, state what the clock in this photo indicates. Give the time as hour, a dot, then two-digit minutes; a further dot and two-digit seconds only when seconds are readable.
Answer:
7.28
